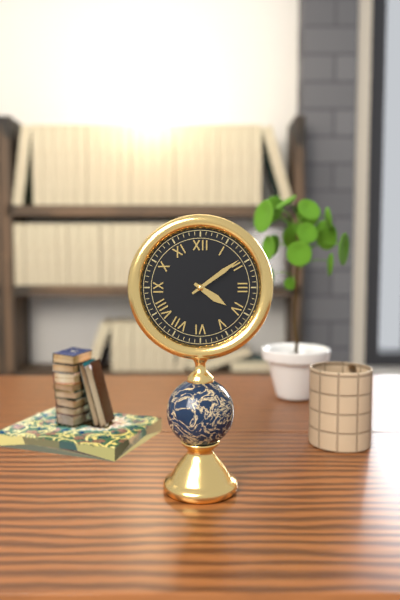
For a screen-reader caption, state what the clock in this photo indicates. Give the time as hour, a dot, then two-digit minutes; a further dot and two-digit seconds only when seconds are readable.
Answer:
4.09
